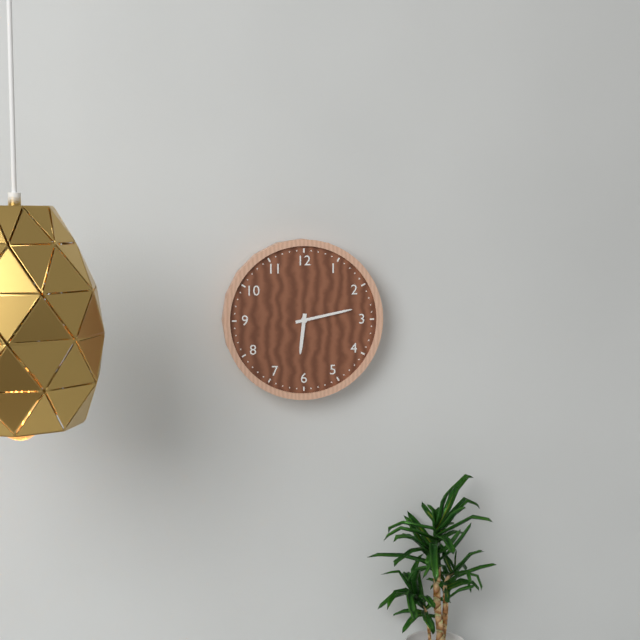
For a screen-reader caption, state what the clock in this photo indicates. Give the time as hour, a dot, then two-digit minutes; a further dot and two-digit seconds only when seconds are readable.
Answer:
6.13
